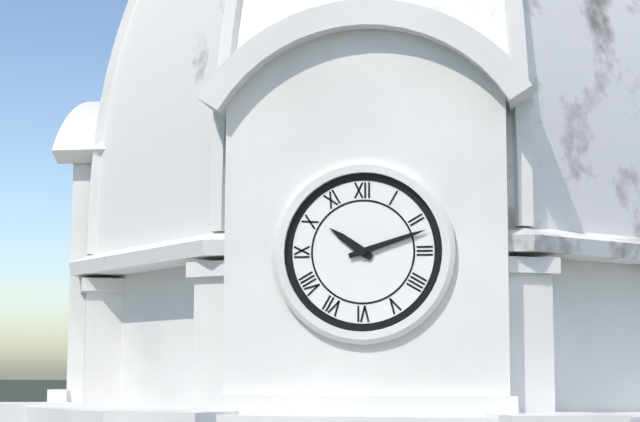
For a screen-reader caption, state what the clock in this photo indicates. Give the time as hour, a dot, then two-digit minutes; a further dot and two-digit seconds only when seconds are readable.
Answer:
10.12
